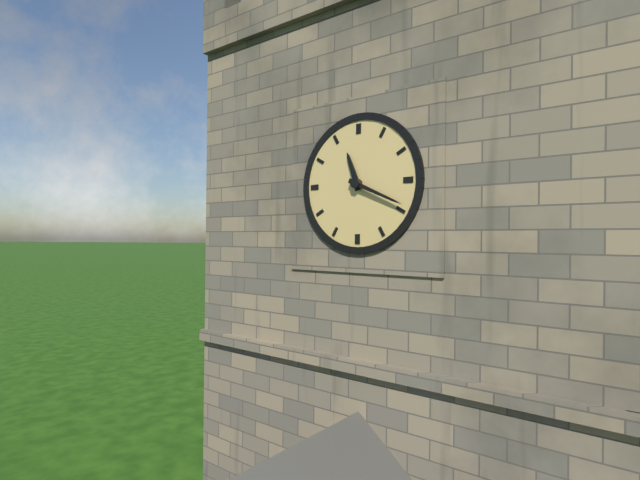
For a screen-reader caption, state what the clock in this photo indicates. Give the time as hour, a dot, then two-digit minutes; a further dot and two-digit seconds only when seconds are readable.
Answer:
11.19
